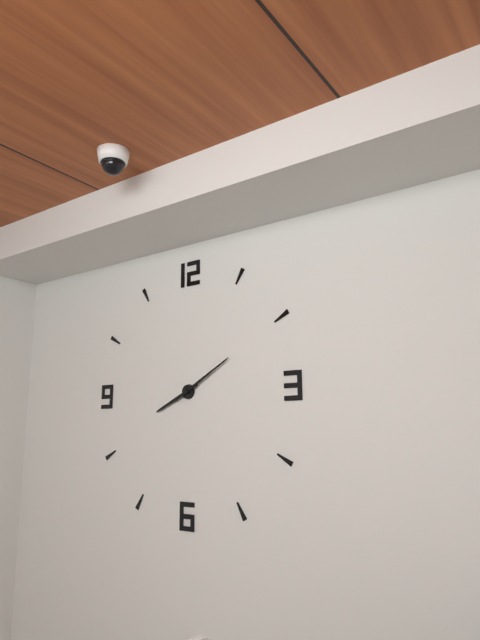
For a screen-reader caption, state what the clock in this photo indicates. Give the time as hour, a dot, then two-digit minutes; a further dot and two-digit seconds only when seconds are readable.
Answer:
8.10
